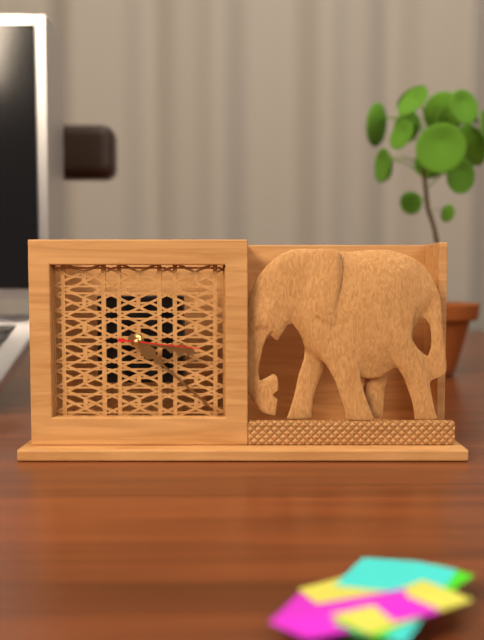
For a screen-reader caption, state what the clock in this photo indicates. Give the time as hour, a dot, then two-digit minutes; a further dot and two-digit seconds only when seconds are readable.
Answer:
3.22.16
